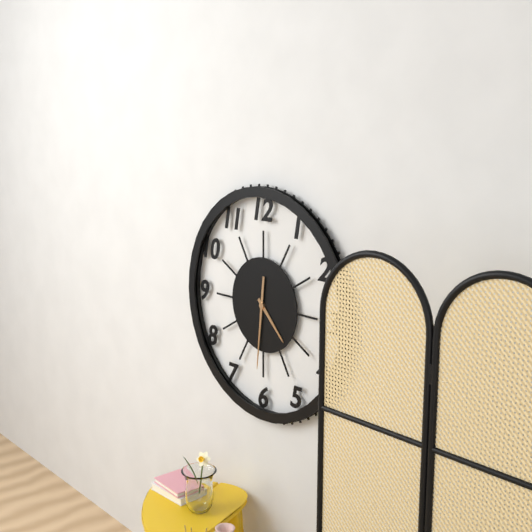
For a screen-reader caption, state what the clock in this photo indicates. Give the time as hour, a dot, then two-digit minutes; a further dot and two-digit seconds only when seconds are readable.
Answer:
4.31
